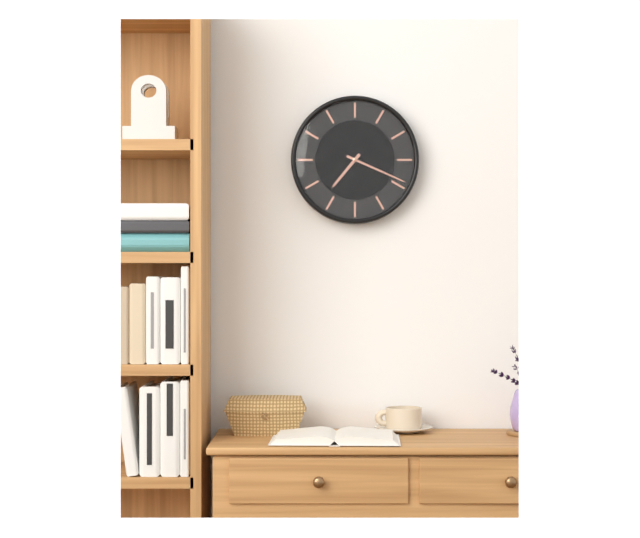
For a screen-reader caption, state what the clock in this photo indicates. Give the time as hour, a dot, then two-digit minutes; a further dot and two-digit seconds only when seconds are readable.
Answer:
7.19
